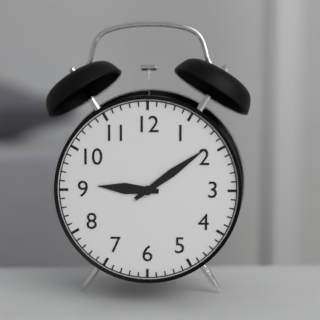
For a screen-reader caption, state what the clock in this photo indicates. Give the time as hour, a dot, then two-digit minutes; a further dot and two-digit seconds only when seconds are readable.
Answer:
9.09
